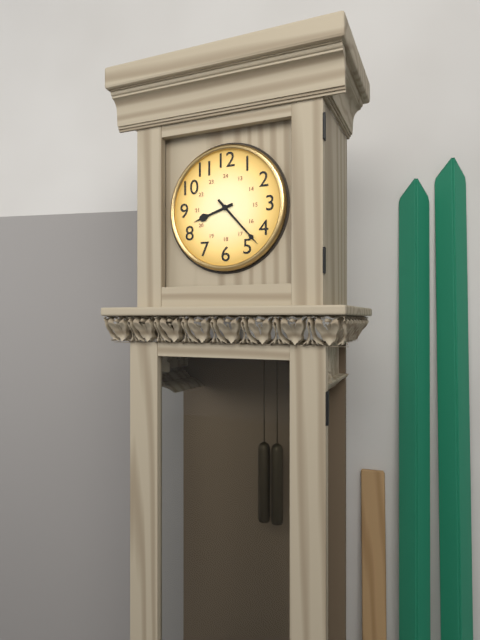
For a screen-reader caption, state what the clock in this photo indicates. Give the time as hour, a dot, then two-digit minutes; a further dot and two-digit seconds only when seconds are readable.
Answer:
8.23
